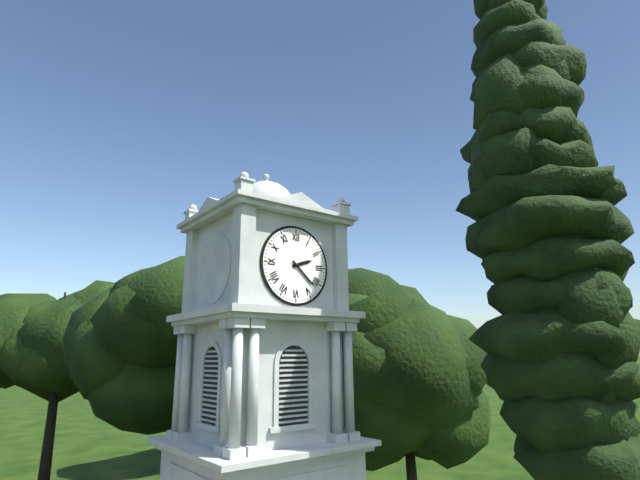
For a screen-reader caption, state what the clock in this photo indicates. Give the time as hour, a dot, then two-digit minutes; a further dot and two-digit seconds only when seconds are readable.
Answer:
2.22
